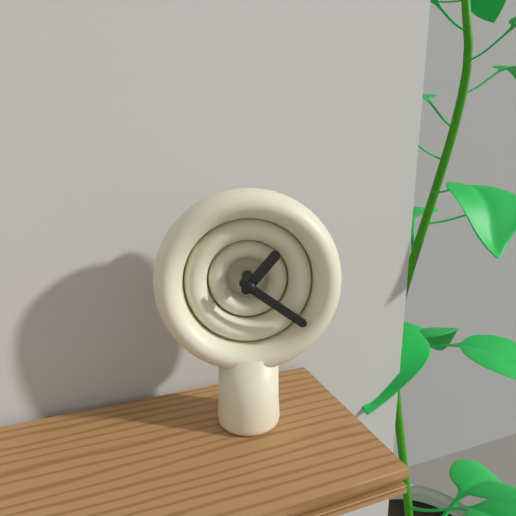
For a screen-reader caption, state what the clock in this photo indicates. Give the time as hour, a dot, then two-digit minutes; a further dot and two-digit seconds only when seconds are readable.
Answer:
1.21
